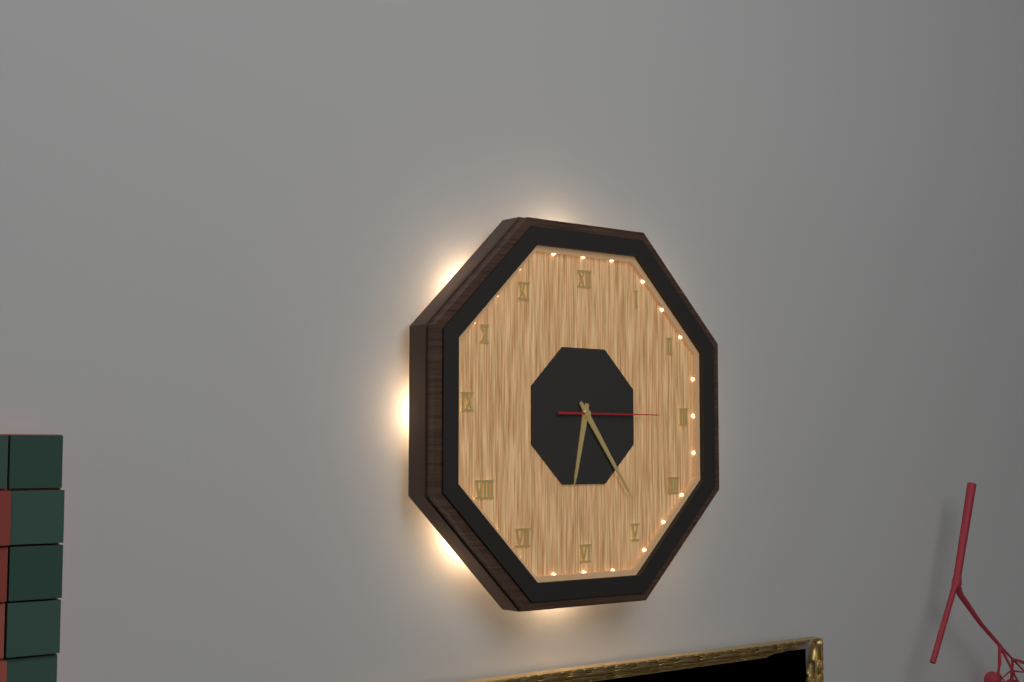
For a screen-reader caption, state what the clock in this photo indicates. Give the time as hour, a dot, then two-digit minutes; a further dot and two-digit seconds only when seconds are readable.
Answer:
6.24.15
